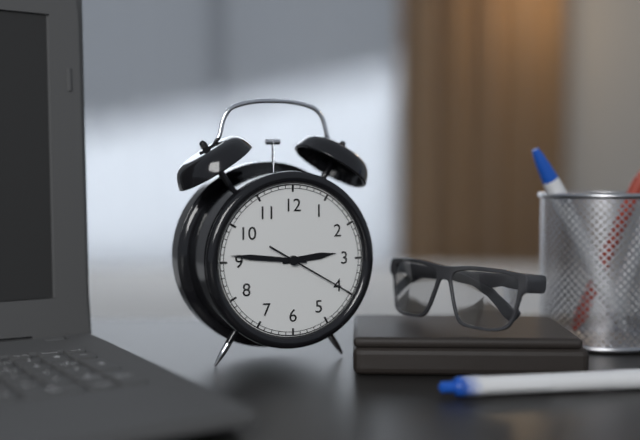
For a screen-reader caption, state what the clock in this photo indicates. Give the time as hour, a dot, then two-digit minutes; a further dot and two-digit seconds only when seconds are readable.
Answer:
2.46.20
